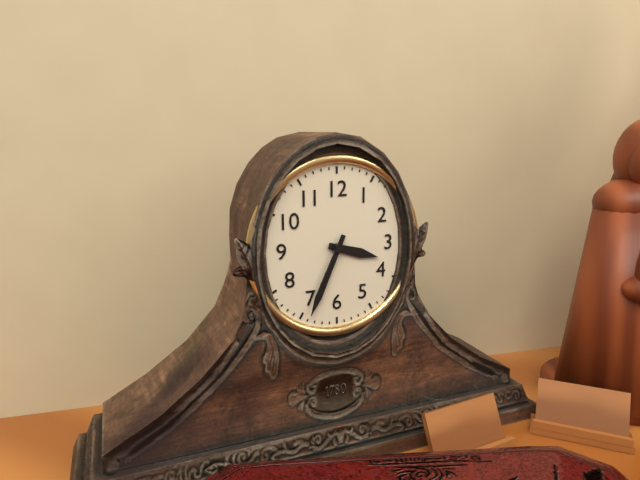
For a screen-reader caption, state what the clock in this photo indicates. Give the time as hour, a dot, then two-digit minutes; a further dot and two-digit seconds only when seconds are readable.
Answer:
3.34
